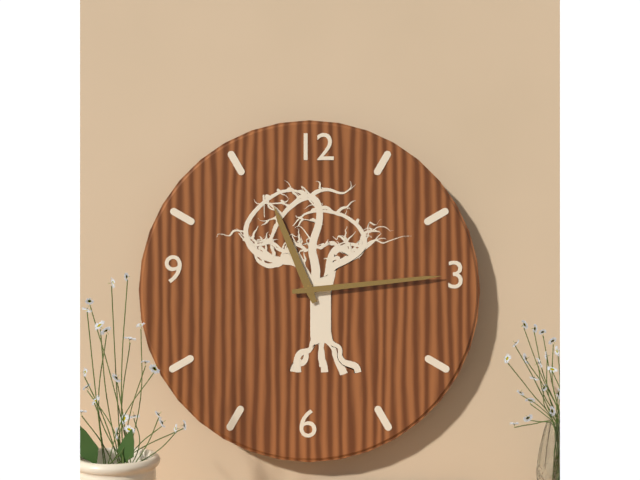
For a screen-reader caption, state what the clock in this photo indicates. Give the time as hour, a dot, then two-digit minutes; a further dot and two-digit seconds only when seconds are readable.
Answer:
11.14
